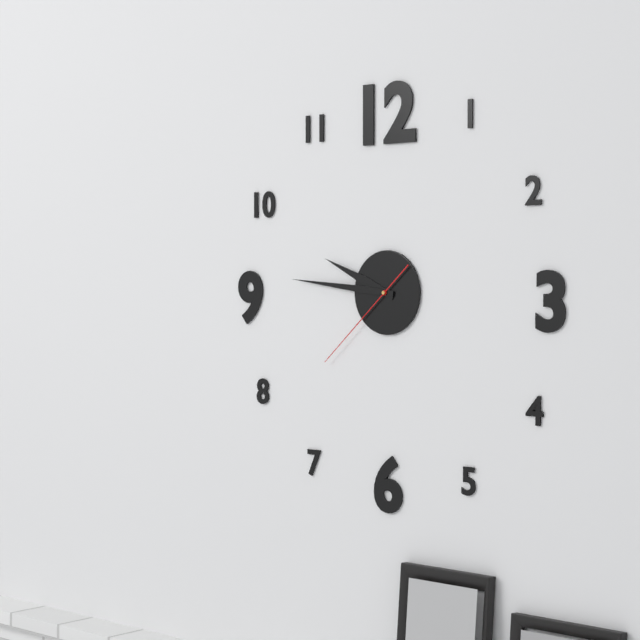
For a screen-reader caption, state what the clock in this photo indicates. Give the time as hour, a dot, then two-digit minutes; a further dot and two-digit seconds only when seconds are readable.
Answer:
9.46.38
